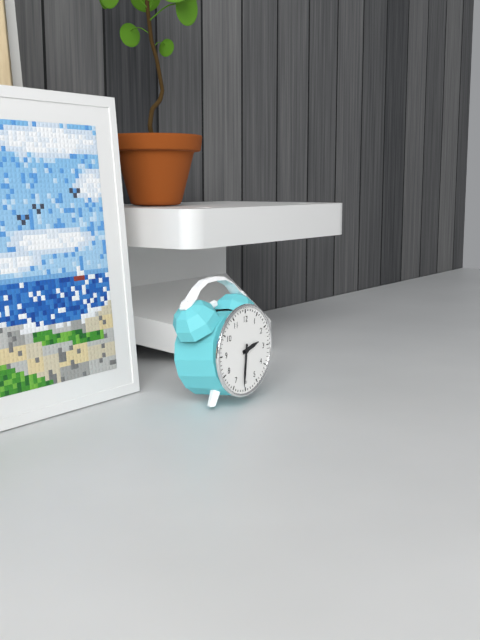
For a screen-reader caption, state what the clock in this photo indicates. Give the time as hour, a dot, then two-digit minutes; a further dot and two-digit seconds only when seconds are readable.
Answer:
2.31
